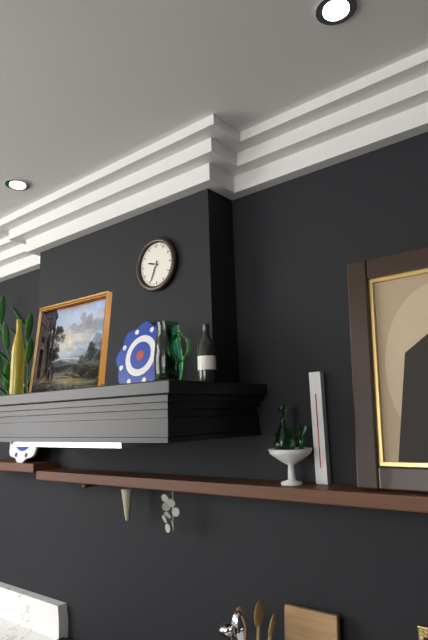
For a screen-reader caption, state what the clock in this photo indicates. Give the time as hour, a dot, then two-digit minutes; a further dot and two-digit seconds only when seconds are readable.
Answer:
9.34
